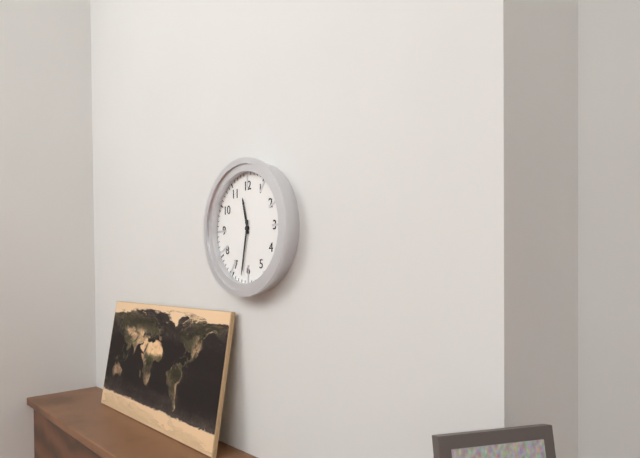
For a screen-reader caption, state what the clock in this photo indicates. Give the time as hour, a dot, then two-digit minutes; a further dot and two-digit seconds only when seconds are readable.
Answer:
11.32
